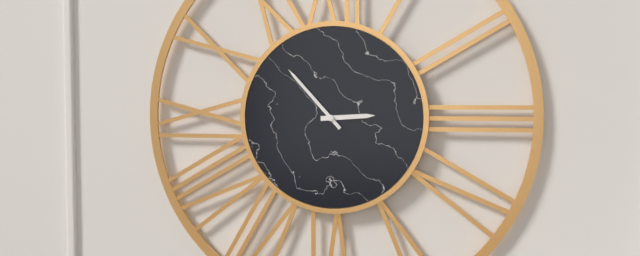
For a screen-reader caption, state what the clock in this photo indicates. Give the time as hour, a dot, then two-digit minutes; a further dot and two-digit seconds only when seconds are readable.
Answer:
2.53
